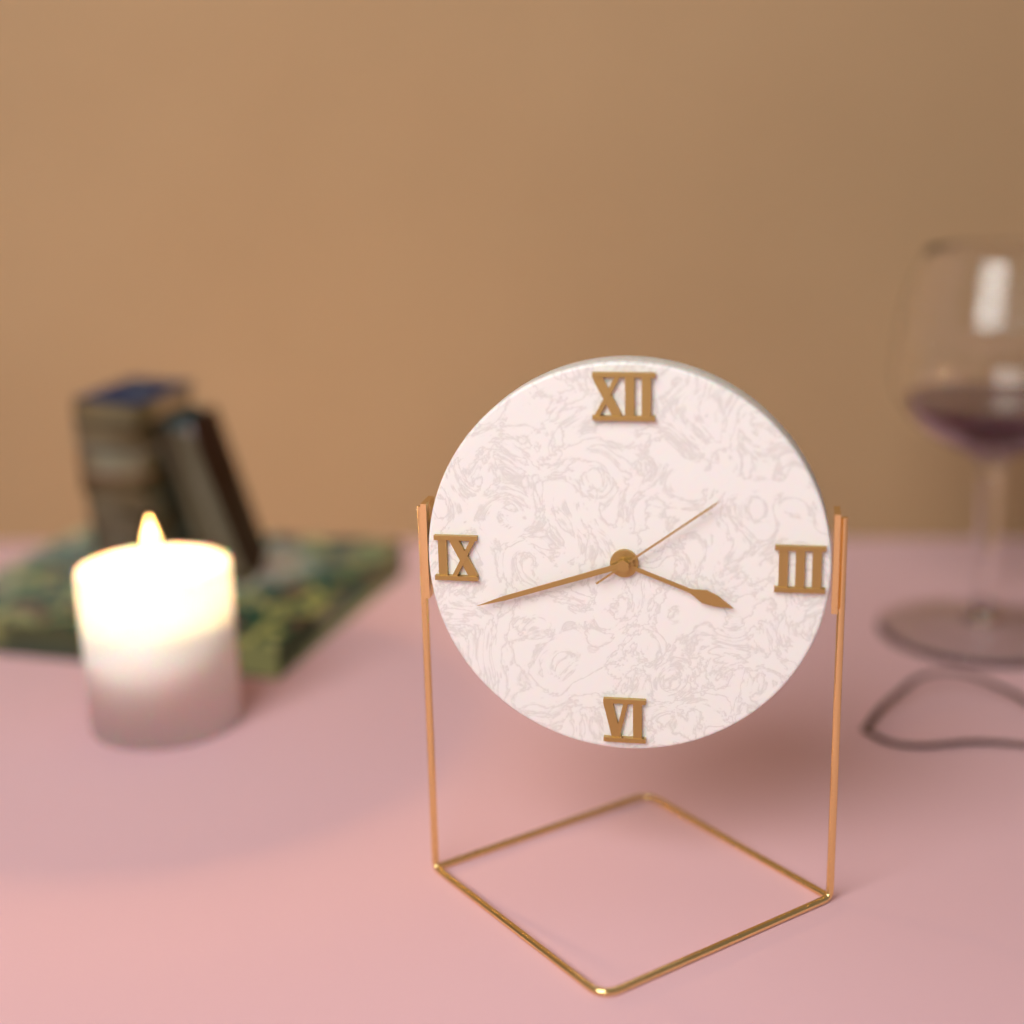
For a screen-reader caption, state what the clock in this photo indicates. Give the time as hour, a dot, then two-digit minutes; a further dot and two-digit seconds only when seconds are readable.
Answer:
3.42.09
